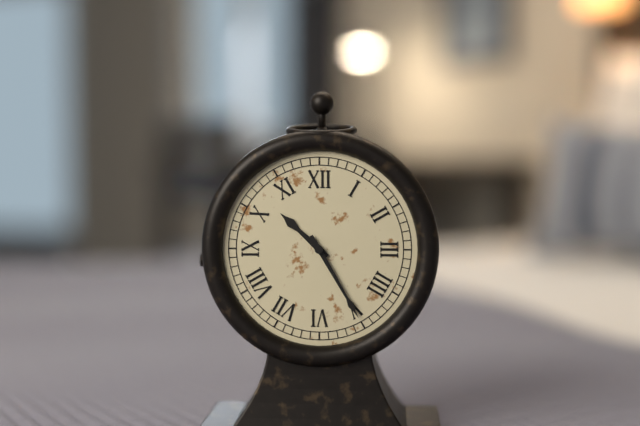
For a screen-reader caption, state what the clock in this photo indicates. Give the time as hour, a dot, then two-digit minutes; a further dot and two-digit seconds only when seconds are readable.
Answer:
10.25
